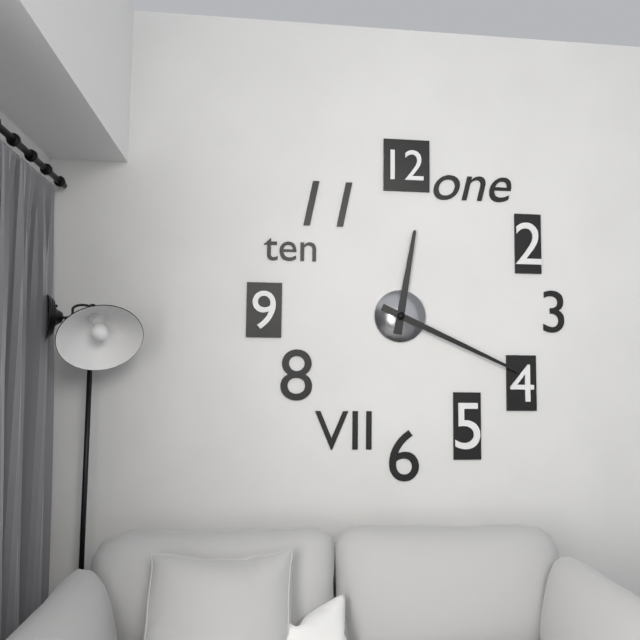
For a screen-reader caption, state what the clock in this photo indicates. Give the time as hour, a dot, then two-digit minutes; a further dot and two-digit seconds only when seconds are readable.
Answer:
12.19
